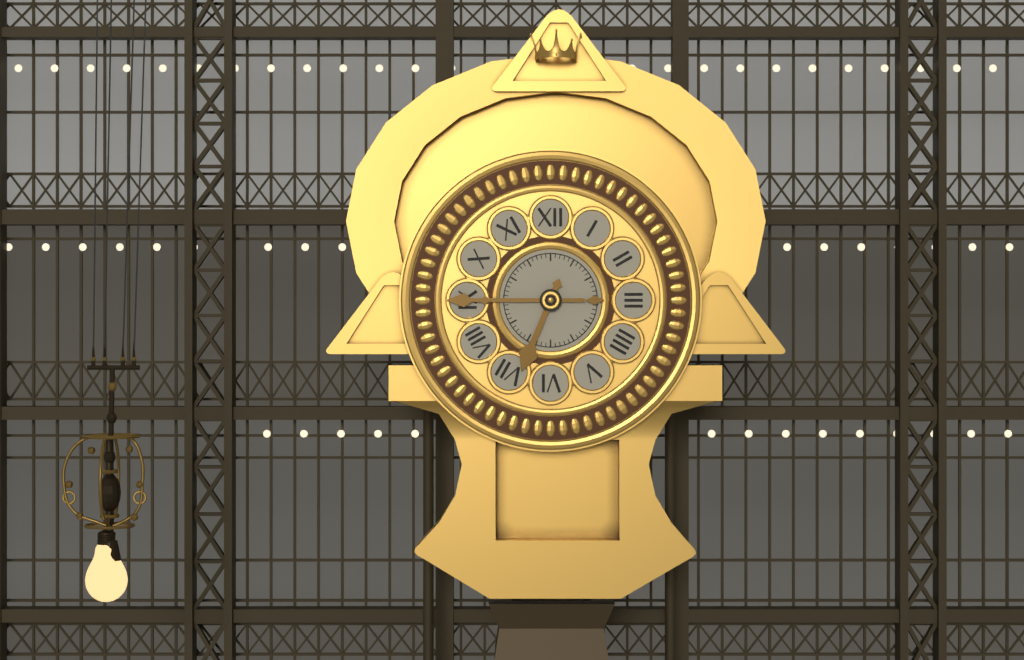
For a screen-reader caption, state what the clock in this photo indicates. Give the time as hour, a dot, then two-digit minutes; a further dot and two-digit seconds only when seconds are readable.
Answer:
6.45
